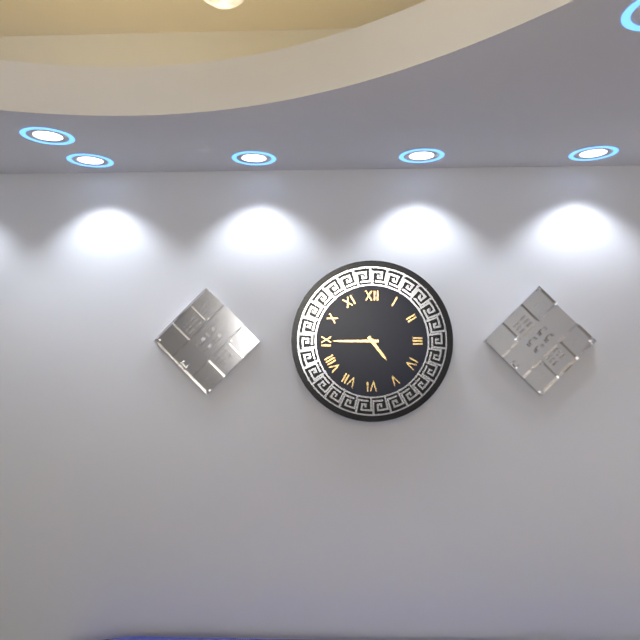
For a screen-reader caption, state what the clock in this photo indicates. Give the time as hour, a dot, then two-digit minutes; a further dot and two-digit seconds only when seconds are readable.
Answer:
4.45
